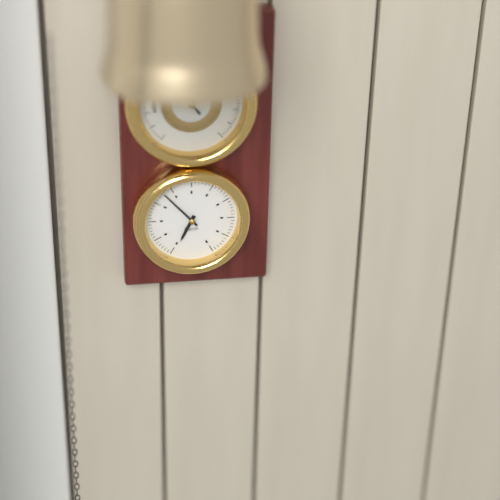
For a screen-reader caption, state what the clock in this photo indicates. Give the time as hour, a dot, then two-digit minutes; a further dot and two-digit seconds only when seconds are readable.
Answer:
6.53
